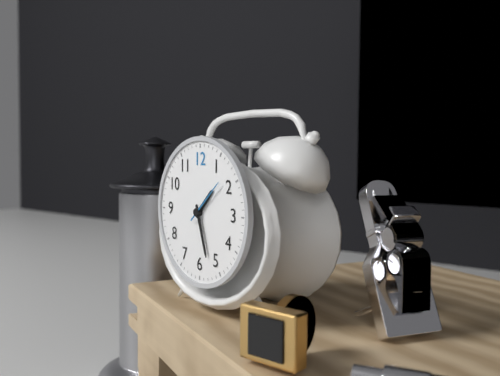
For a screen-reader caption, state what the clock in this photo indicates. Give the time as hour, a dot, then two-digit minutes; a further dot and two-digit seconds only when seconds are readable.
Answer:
1.27
